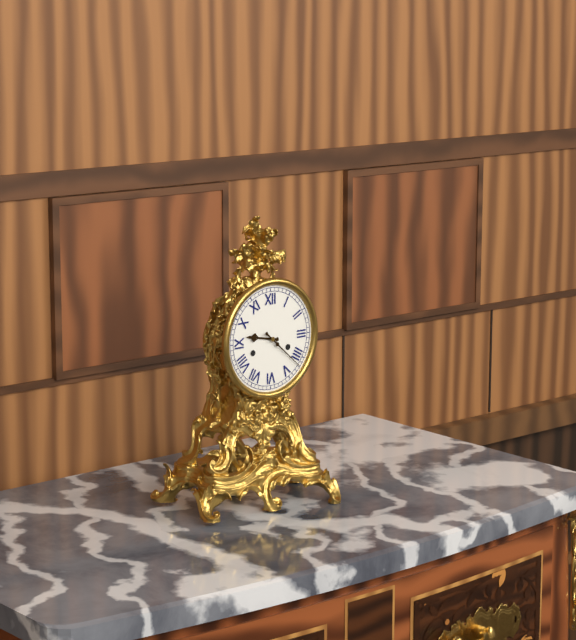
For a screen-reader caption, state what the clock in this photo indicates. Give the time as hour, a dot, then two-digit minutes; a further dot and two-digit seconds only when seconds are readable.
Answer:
9.22
